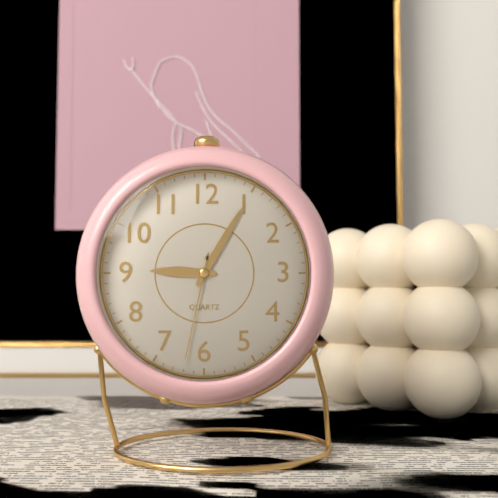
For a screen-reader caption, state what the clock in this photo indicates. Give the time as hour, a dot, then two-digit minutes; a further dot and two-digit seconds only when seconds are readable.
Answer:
9.05.32
